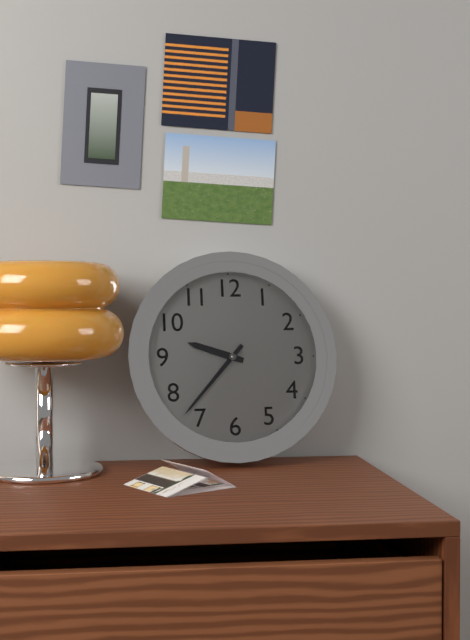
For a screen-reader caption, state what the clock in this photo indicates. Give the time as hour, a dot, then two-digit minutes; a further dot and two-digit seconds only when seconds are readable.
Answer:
9.37
